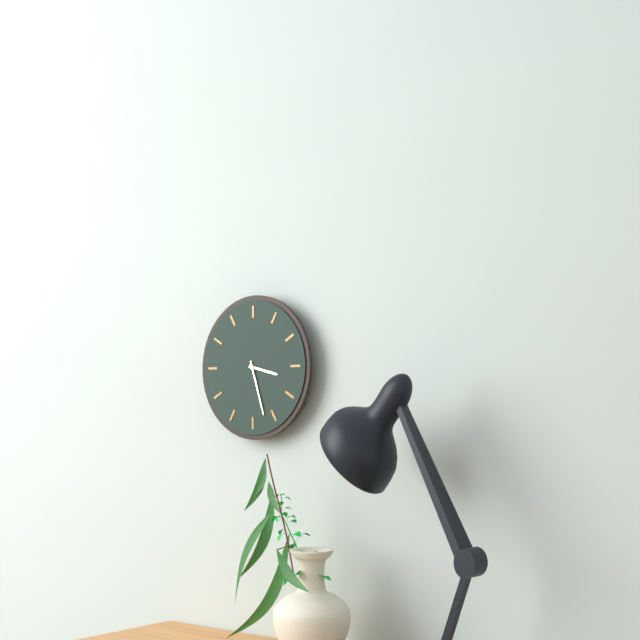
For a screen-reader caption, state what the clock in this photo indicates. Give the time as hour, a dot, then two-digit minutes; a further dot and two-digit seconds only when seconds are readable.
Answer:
3.27
